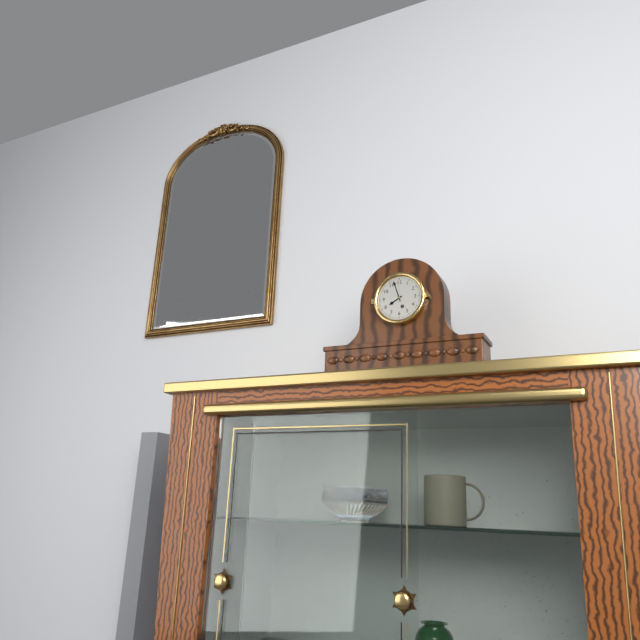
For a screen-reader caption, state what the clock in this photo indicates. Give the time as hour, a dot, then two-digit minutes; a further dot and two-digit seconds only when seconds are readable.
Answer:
7.57
